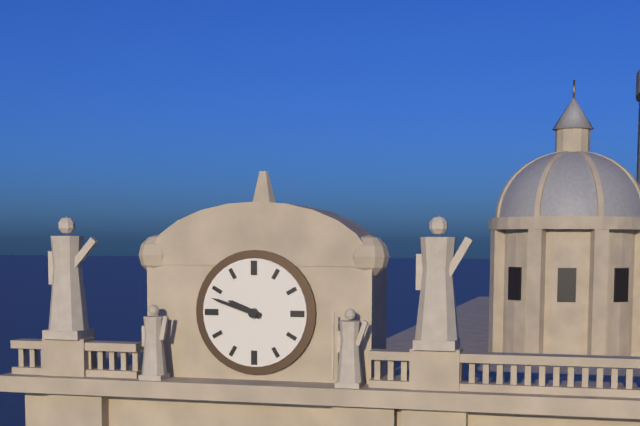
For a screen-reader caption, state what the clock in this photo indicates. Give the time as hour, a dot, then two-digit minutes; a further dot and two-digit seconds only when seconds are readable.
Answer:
9.48
